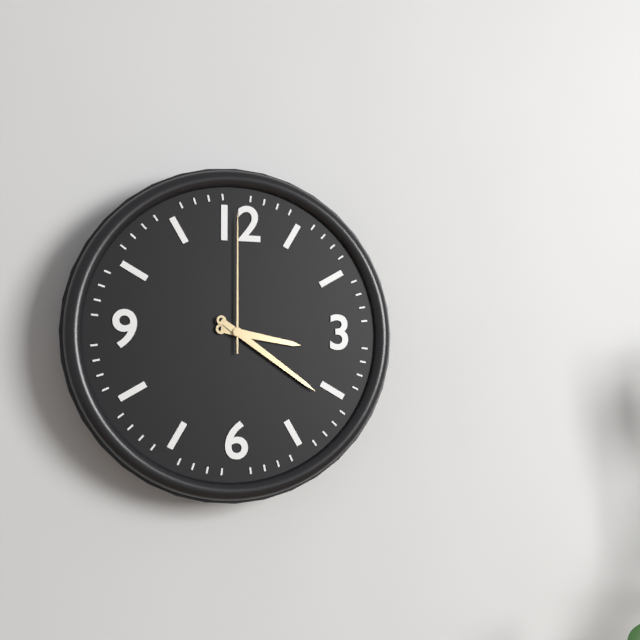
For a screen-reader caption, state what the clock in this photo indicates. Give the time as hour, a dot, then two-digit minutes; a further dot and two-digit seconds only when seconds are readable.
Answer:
3.21.00
